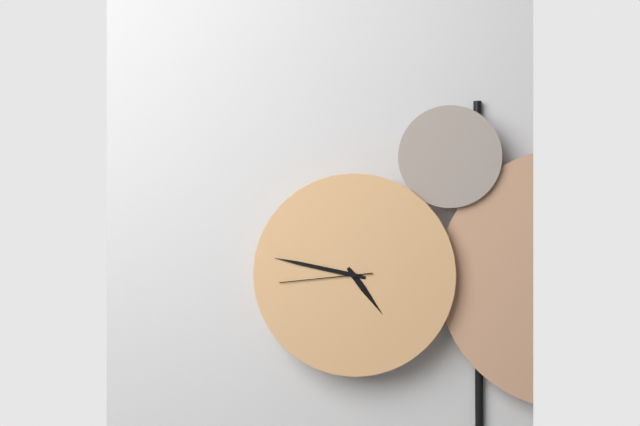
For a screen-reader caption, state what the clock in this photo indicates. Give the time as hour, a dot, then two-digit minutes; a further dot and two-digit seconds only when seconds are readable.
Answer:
4.47.44
